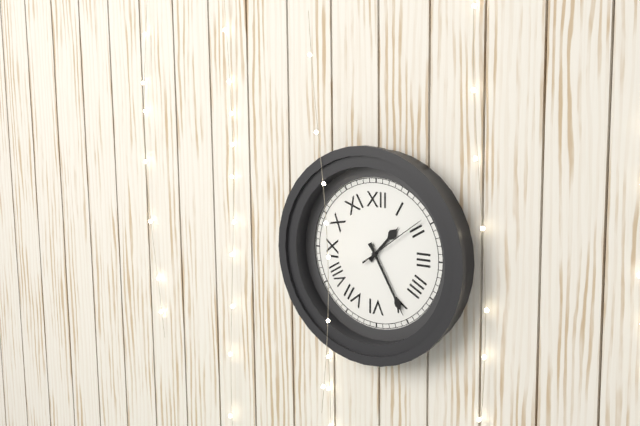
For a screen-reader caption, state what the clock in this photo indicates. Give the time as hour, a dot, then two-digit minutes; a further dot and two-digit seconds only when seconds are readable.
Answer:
1.25.09
